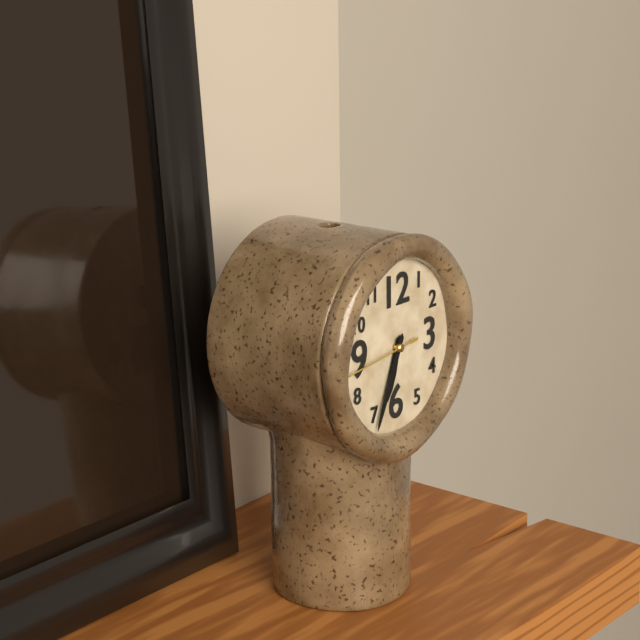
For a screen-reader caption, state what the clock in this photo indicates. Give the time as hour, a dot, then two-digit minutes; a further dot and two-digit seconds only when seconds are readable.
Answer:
6.34.44
